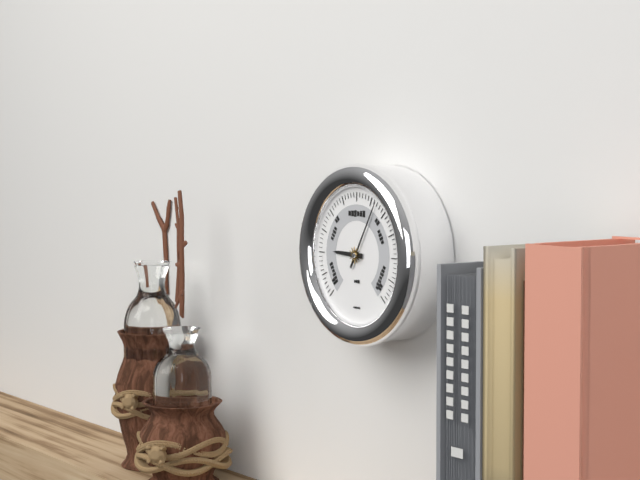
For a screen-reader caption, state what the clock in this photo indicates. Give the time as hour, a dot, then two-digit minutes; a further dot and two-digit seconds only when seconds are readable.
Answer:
9.05
